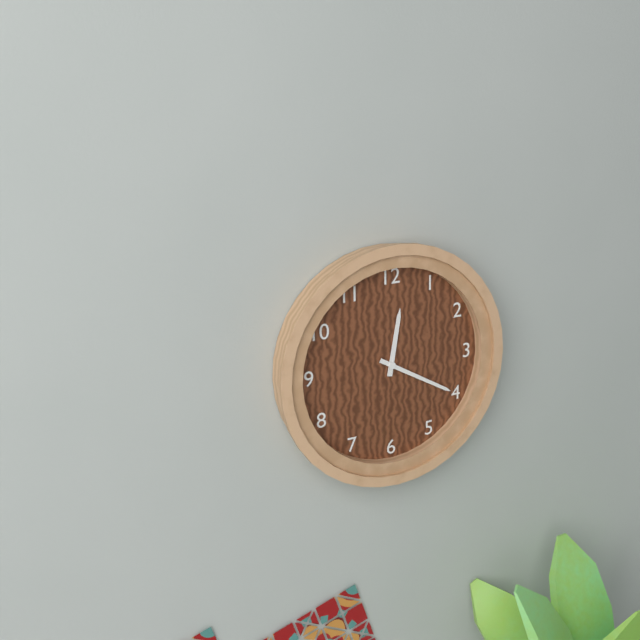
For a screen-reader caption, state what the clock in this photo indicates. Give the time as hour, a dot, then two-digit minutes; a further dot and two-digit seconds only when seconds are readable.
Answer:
12.20
